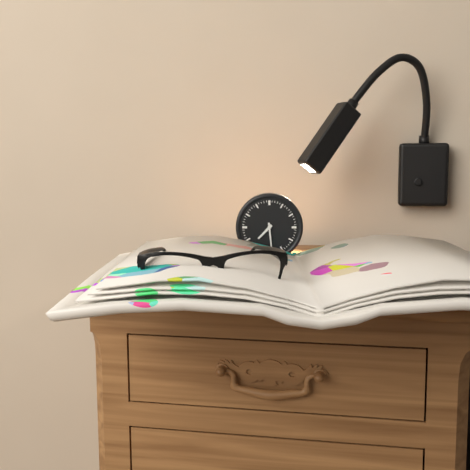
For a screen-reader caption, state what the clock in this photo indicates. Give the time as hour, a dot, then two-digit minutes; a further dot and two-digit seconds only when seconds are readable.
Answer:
7.29
